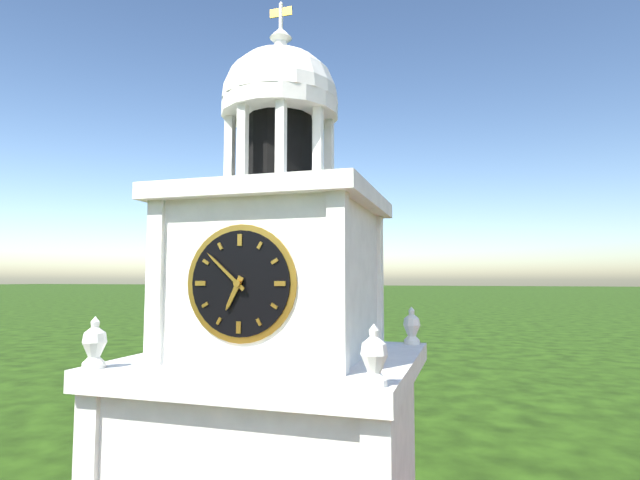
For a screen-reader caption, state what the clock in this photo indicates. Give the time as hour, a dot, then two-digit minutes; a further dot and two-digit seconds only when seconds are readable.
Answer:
6.52
